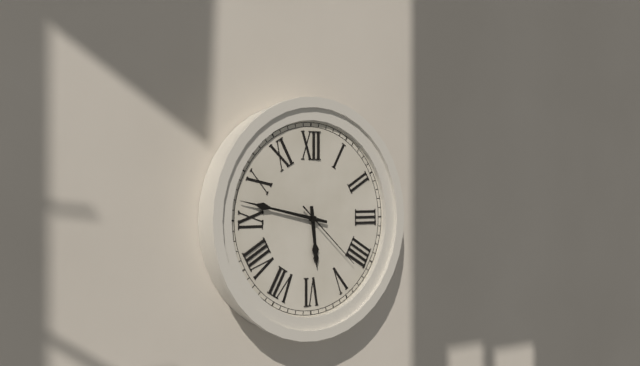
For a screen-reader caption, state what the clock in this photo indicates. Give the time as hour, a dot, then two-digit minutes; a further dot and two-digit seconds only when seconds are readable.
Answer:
5.47.22
